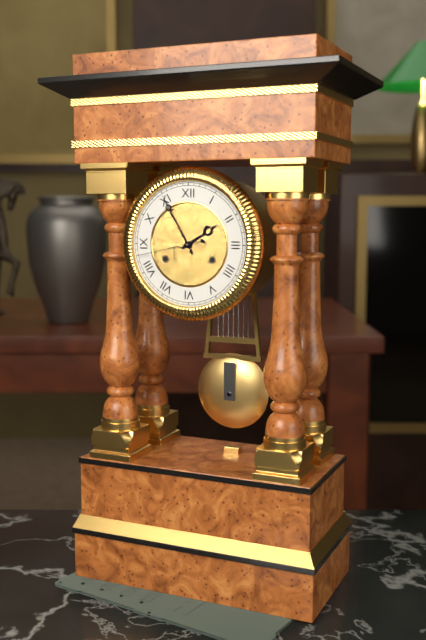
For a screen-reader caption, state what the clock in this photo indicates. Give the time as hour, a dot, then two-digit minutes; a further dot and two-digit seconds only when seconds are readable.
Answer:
1.55.43
